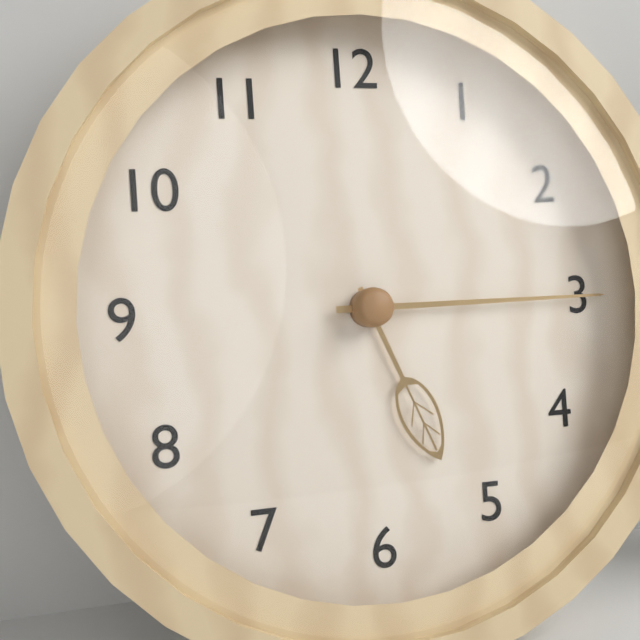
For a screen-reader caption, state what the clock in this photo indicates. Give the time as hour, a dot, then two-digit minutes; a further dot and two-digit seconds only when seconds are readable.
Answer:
5.15
